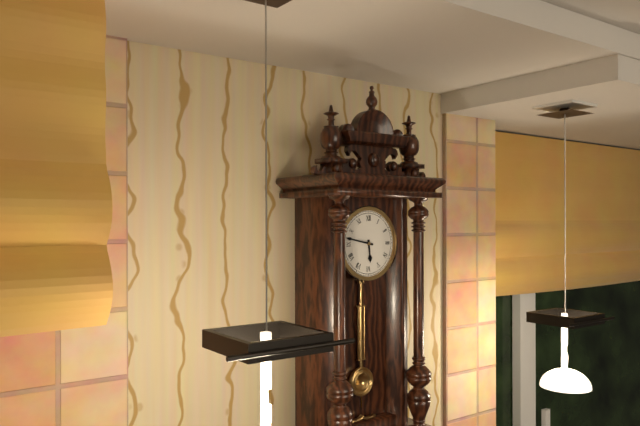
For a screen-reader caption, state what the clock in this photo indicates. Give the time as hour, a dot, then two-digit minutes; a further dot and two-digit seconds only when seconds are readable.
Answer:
5.47
